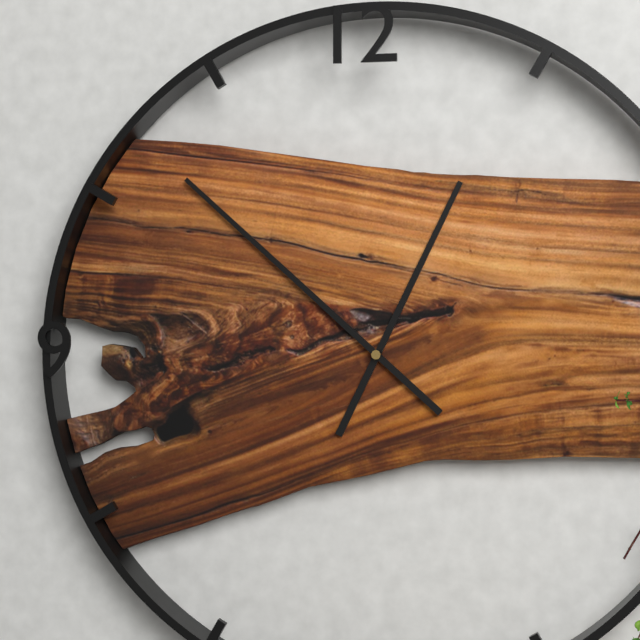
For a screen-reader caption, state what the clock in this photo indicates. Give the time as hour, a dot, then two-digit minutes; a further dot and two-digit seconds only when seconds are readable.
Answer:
12.52
